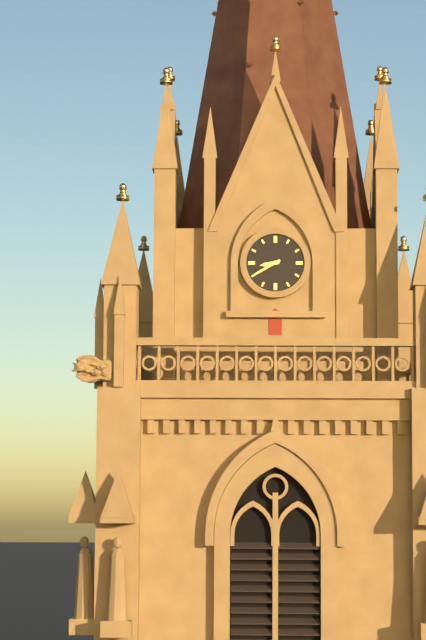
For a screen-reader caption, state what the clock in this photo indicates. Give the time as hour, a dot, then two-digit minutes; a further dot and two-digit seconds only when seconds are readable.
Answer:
8.40
